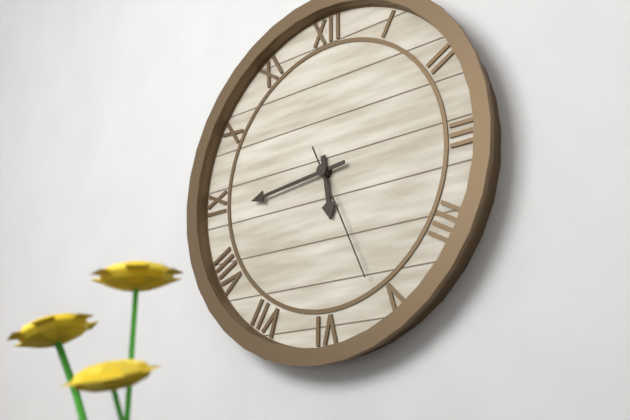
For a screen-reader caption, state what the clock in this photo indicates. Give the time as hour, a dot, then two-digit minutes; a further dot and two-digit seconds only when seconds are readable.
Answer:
5.44.26
